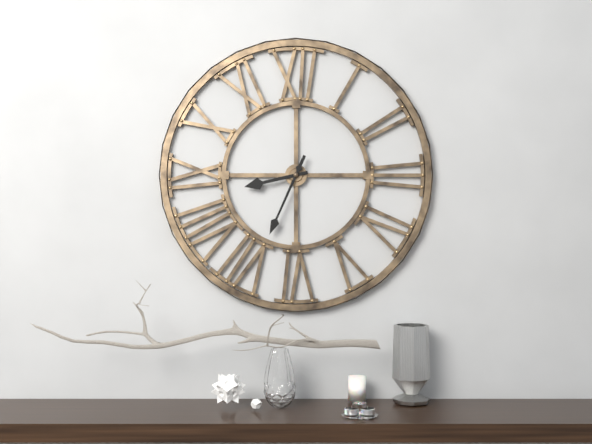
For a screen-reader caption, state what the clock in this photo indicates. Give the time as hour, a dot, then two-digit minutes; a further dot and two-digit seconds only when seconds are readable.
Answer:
8.34
